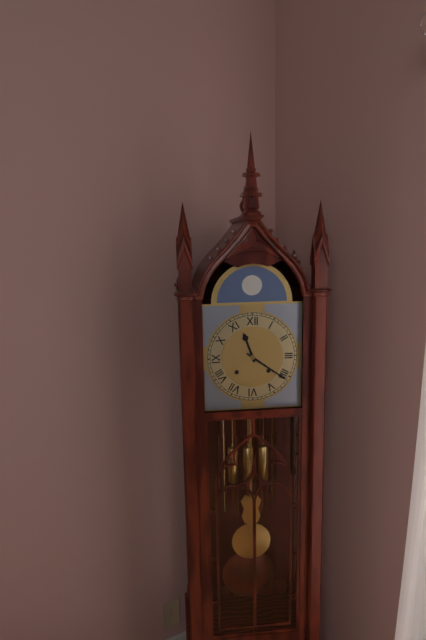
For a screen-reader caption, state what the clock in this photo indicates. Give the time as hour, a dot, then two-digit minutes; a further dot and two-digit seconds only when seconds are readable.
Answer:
11.21
